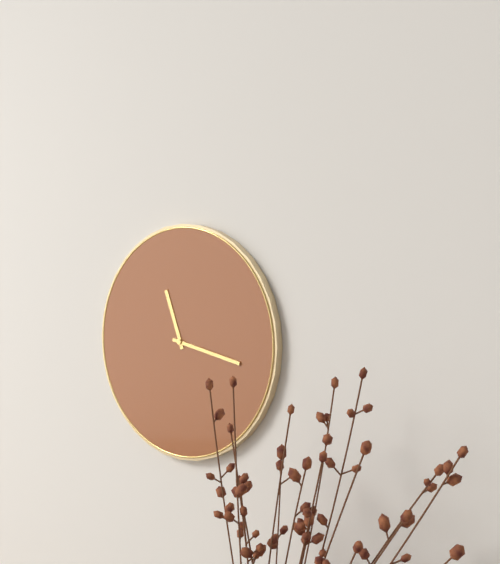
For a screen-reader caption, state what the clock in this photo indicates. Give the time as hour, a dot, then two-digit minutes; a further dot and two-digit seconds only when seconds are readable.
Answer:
11.17
